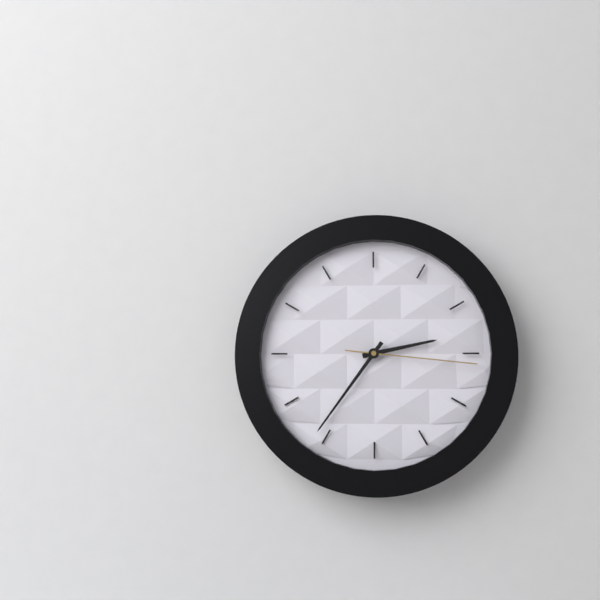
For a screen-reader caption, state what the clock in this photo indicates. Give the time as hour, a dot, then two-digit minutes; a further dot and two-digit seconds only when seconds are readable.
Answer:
2.36.16
